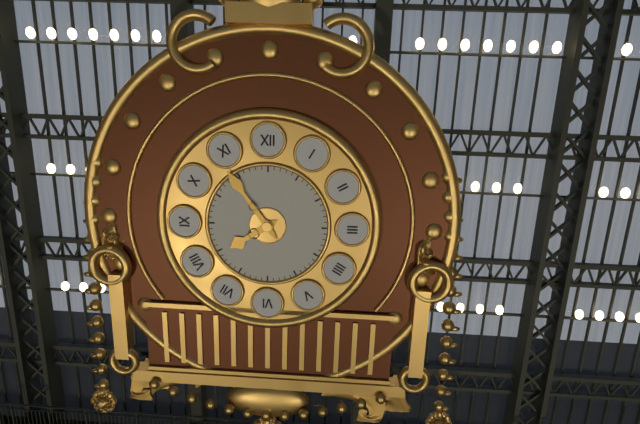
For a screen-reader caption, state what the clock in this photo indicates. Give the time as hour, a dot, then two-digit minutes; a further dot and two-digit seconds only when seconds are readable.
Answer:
7.54
